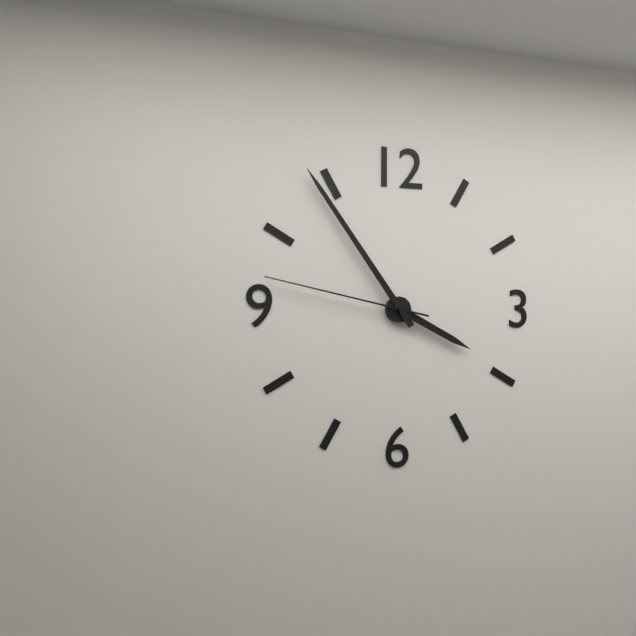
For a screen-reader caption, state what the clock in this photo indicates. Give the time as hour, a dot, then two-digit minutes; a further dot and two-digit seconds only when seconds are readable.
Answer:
3.54.47
